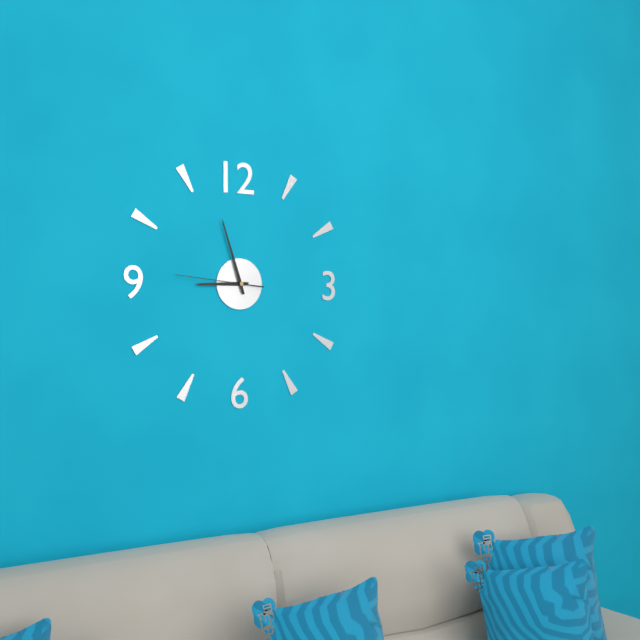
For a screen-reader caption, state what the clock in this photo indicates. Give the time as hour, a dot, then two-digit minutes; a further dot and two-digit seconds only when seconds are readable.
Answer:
8.57.46
